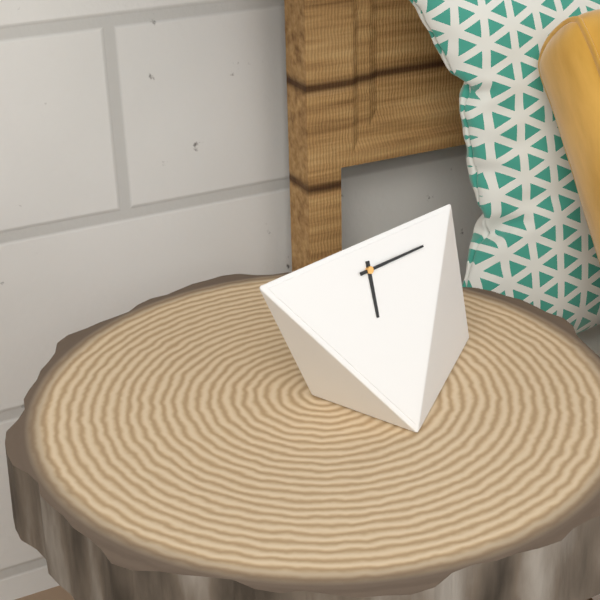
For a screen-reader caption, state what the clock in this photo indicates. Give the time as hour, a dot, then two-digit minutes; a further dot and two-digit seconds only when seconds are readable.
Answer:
6.15
